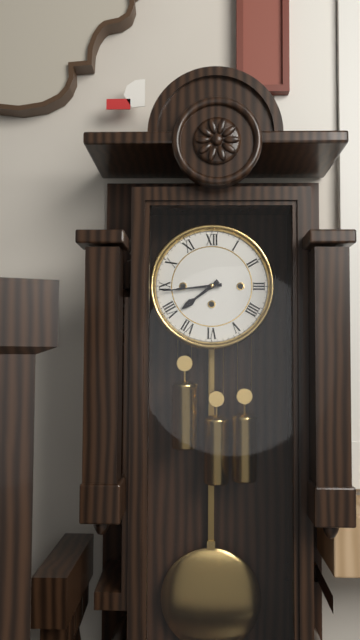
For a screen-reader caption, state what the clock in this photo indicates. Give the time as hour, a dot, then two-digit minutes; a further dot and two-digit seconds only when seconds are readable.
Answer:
7.44
